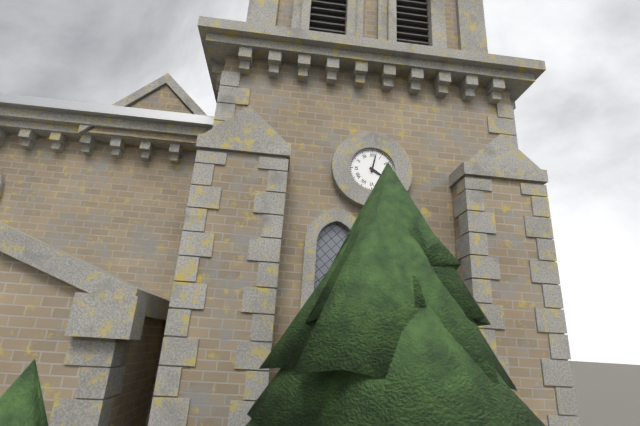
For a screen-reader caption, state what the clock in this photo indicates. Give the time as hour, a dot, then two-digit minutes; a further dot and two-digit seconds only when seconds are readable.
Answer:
4.02
